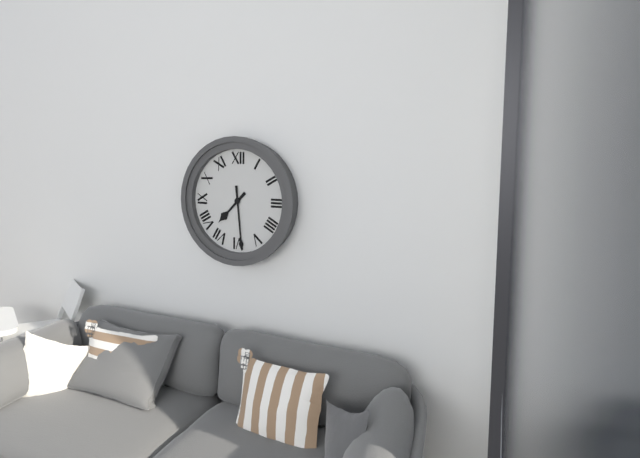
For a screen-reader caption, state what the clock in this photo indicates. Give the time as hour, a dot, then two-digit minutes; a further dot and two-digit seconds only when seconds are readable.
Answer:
7.29
